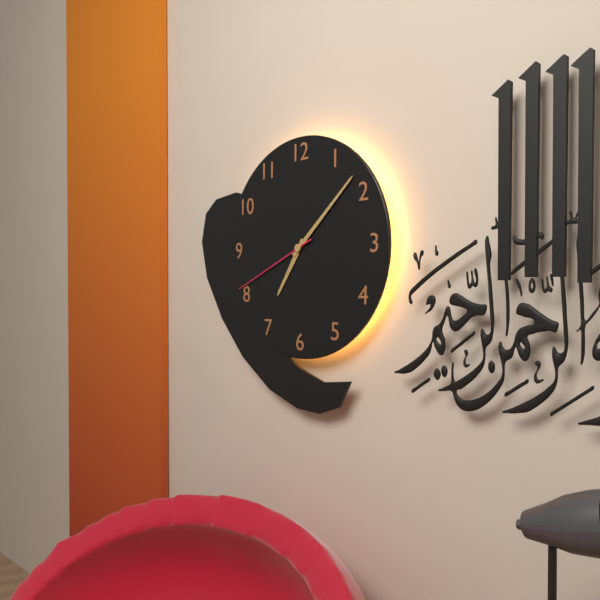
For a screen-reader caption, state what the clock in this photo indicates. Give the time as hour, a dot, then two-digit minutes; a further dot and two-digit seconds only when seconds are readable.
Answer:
7.08.41
